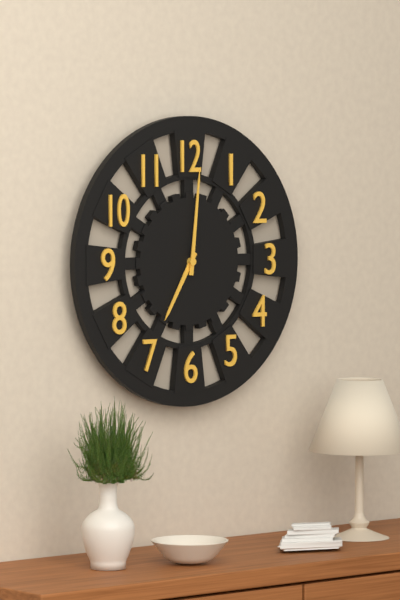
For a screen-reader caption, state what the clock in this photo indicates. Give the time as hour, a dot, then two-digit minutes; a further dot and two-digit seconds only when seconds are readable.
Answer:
7.01
